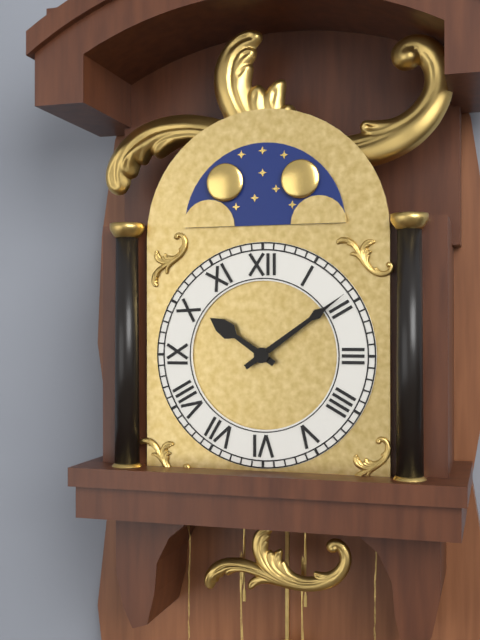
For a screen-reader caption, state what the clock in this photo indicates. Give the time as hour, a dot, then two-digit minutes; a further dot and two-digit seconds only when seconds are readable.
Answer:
10.09
